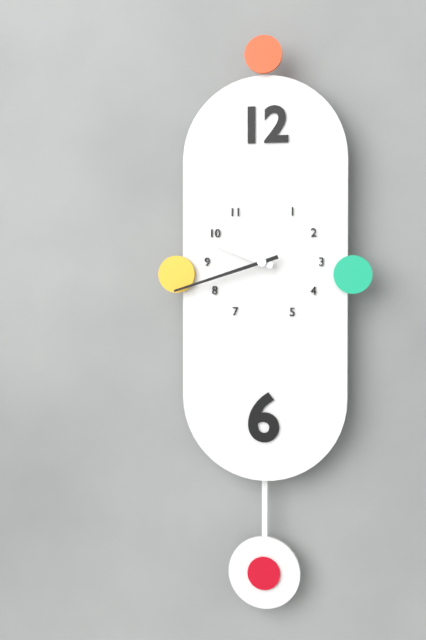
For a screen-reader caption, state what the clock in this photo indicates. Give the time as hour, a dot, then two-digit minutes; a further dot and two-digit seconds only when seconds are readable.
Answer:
9.42
